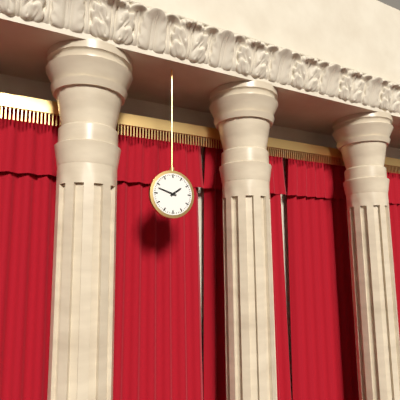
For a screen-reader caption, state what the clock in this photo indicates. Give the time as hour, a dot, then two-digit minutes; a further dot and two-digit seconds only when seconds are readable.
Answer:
1.48
